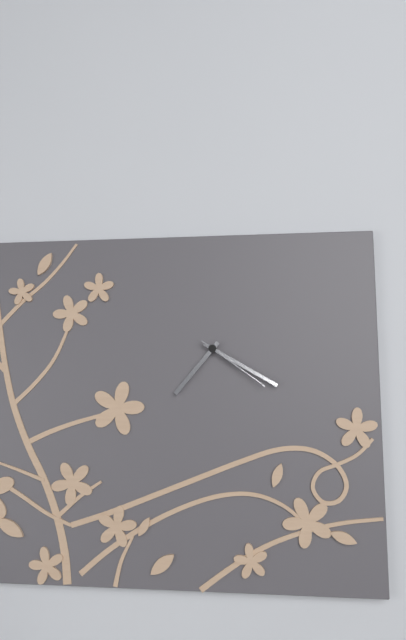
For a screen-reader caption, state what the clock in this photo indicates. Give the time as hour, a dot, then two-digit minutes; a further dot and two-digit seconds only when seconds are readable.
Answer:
7.20.21
